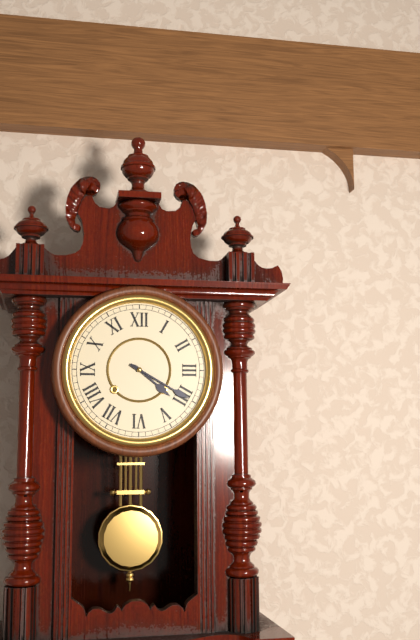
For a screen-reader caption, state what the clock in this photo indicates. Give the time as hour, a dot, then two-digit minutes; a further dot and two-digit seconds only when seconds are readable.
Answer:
4.20
